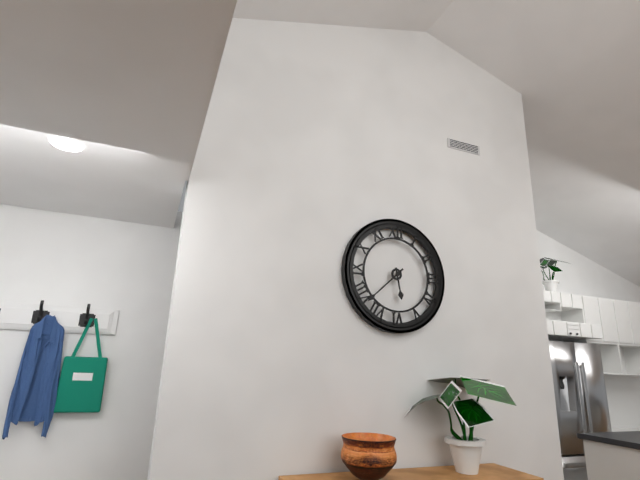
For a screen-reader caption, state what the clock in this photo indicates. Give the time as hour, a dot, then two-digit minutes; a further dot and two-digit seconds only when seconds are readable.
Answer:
5.38
